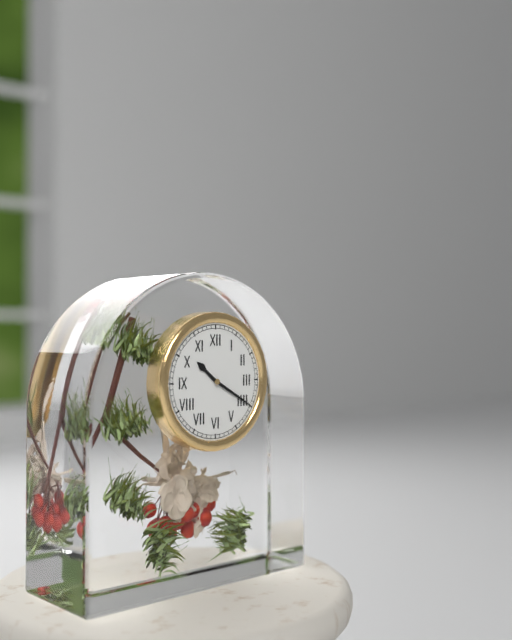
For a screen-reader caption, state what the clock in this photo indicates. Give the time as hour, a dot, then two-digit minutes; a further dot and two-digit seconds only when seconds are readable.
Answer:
10.20
